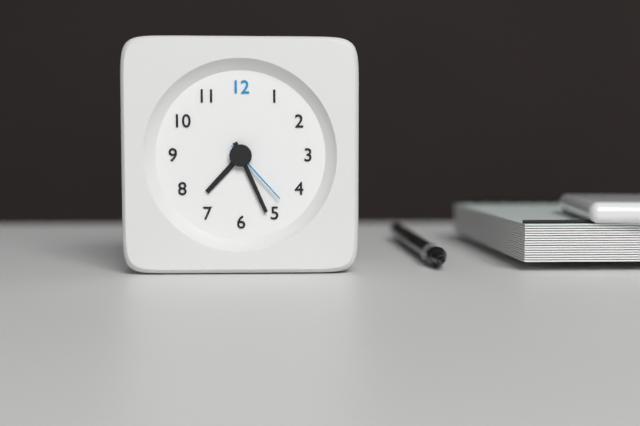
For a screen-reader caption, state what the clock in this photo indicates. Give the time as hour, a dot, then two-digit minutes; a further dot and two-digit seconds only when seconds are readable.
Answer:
7.26.23
